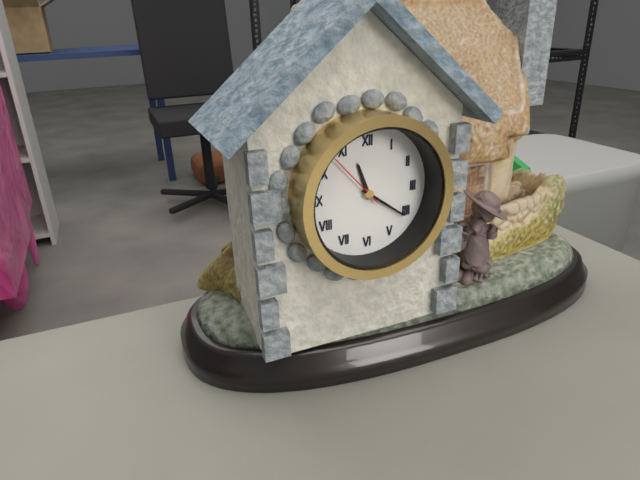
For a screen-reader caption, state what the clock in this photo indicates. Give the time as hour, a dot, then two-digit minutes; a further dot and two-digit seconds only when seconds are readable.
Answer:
11.21.53
